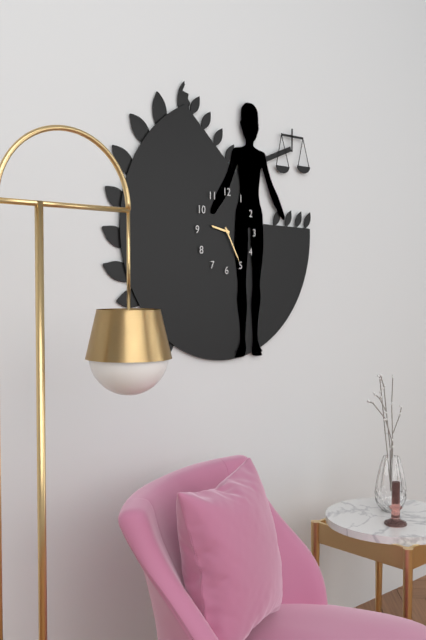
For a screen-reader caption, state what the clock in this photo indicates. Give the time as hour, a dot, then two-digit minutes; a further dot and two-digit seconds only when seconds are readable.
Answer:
9.25
